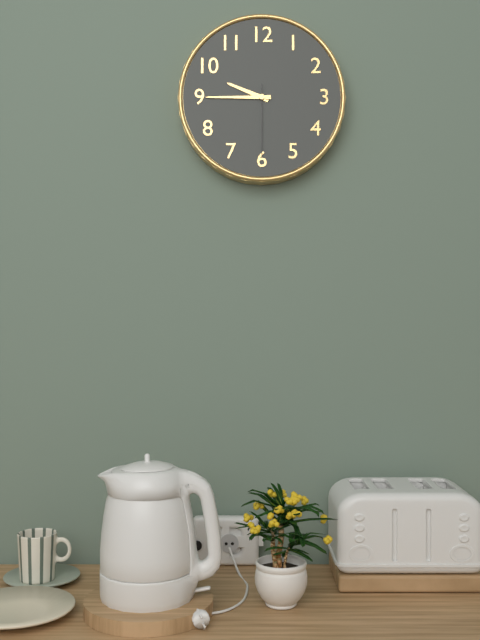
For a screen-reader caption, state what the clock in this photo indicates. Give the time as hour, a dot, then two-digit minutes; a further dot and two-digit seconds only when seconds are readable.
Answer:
9.45.30
